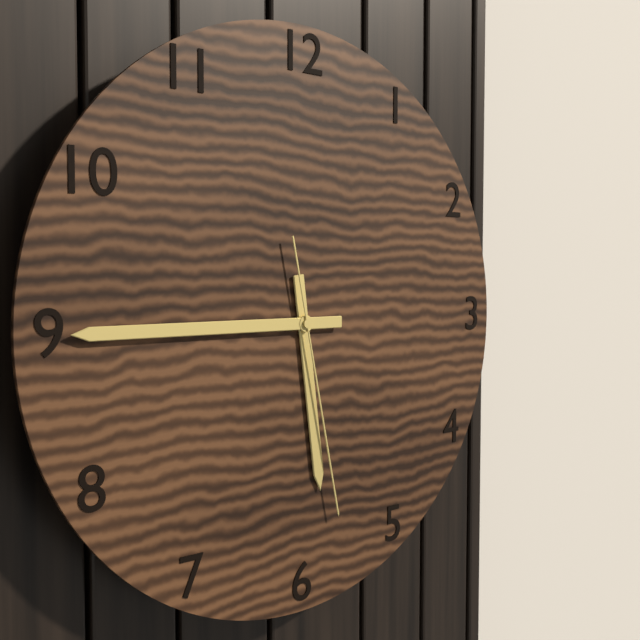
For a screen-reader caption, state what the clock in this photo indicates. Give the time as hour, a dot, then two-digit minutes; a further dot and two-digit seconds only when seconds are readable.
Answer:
5.45.28
